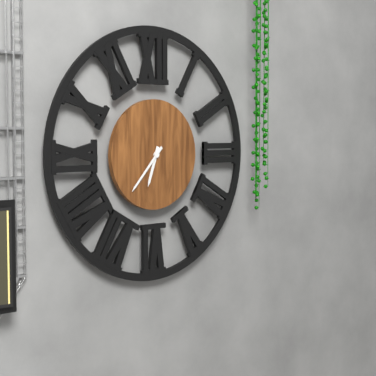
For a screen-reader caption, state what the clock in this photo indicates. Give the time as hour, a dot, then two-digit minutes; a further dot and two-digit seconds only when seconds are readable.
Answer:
6.37
